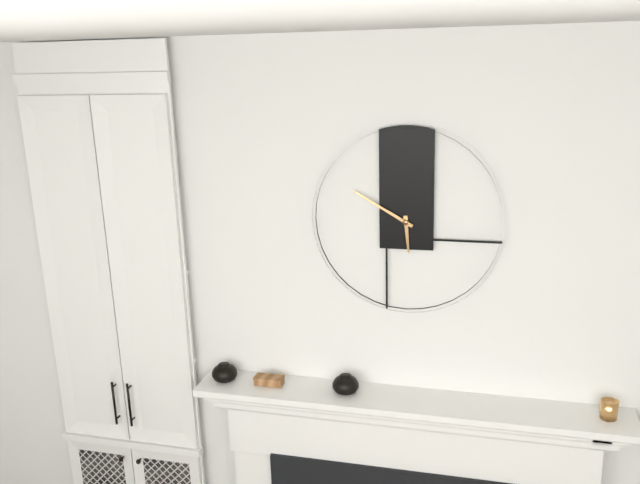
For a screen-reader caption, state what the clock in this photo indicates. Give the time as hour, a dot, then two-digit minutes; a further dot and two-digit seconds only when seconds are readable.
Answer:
5.50
